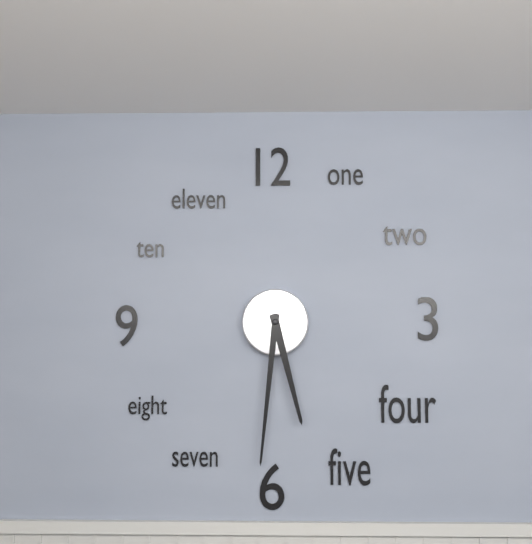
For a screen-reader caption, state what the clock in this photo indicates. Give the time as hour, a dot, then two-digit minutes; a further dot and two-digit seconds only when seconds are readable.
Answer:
5.31
